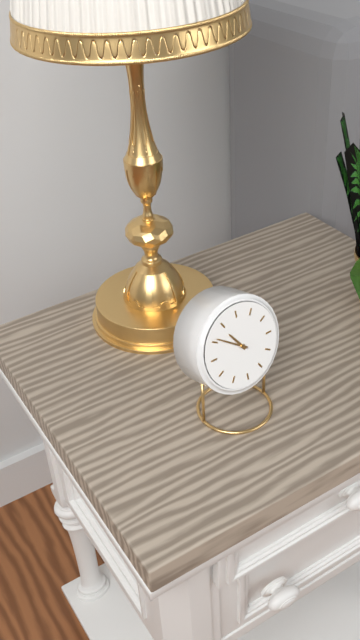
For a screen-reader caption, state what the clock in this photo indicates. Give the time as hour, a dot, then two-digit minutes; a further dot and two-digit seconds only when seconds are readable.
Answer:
10.51
